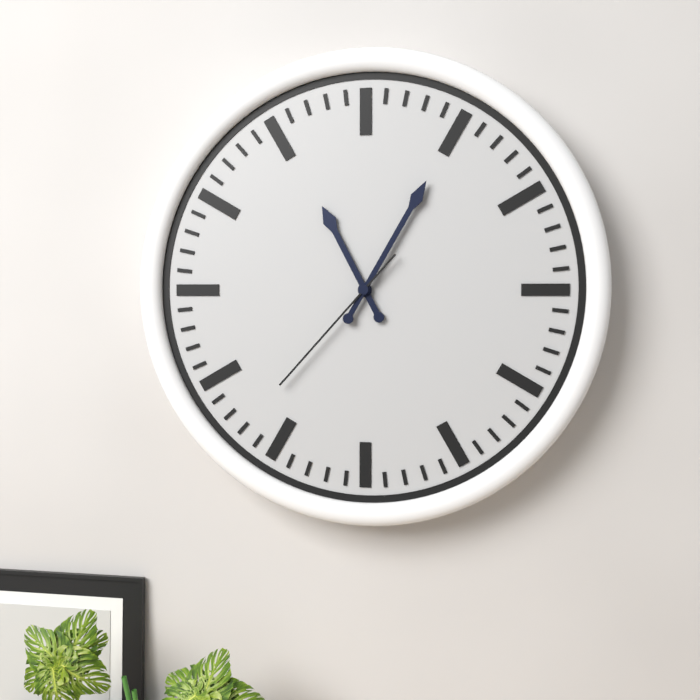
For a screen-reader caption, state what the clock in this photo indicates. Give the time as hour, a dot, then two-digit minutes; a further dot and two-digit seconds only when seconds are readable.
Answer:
11.05.37
